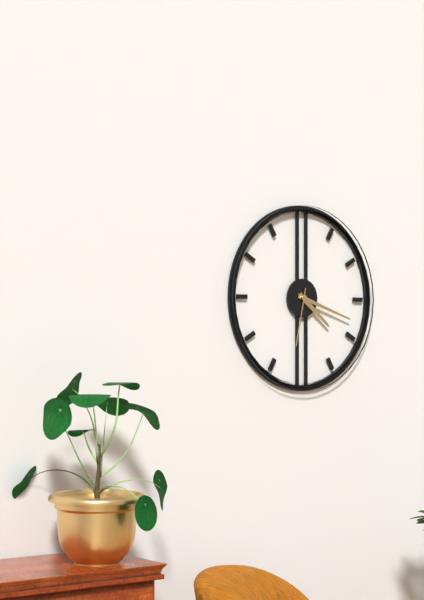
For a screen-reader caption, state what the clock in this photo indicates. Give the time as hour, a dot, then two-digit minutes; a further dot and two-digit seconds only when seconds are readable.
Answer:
4.18.32
